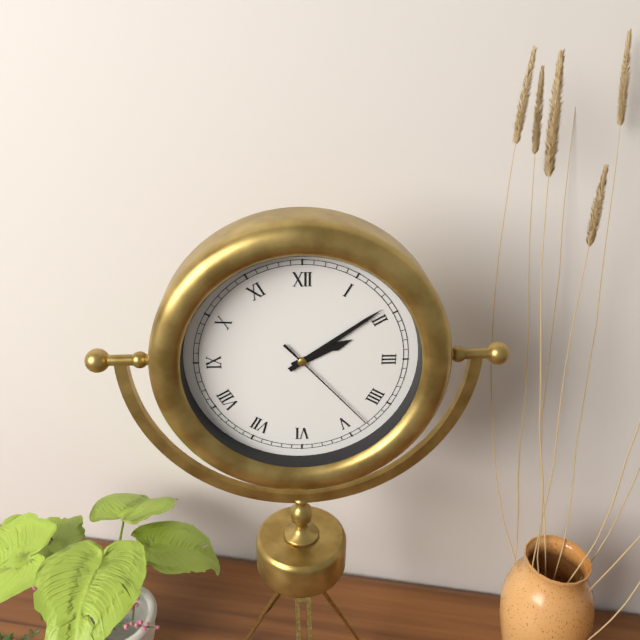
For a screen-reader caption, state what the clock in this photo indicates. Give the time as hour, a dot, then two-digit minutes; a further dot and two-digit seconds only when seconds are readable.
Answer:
2.09.23
